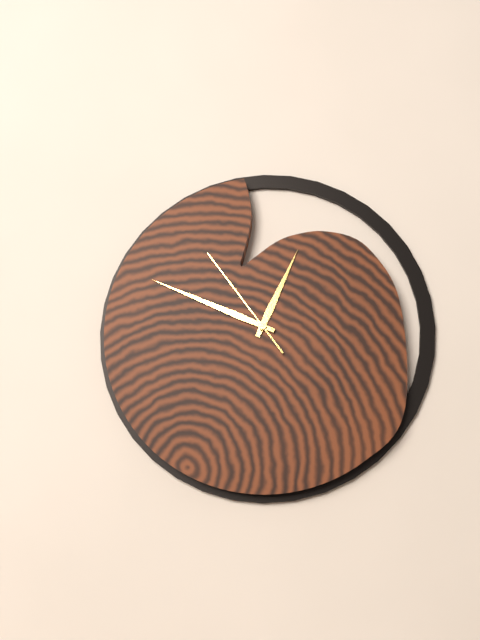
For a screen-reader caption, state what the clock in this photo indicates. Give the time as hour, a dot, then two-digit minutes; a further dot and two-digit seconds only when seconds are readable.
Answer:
12.49.54
